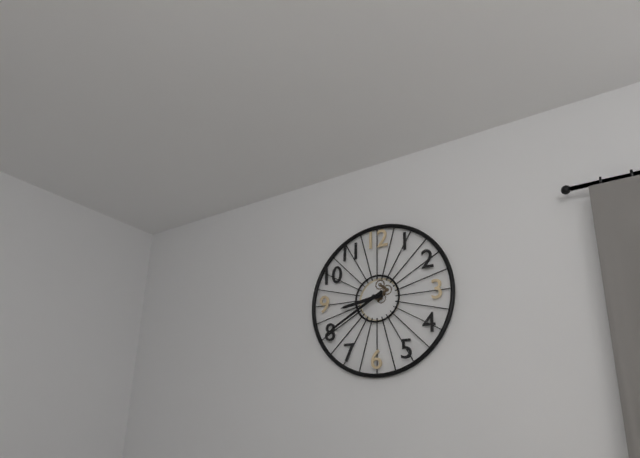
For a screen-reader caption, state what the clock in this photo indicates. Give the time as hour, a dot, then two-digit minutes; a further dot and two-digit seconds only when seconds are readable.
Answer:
8.40
